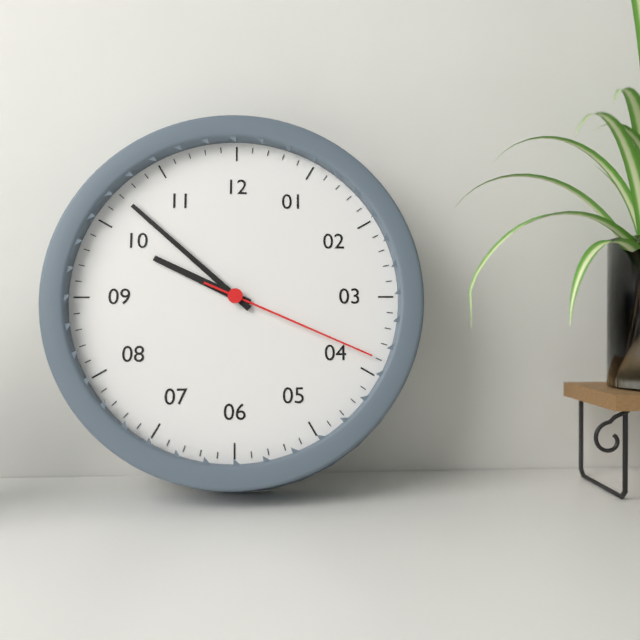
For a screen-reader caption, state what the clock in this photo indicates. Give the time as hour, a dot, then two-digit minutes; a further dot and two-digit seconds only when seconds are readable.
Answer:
9.52.19
